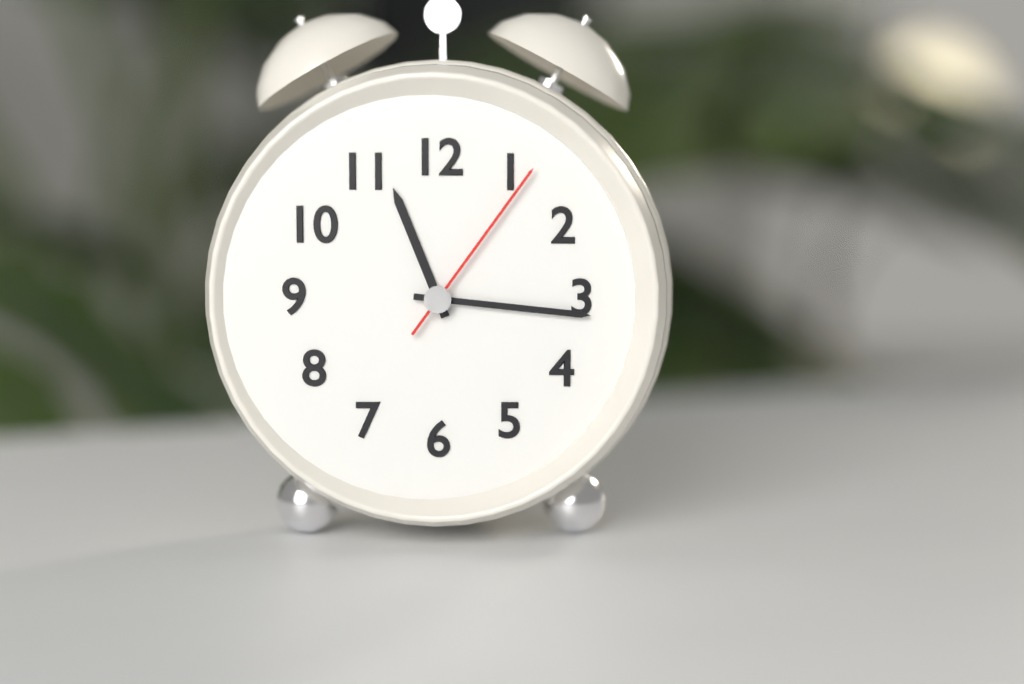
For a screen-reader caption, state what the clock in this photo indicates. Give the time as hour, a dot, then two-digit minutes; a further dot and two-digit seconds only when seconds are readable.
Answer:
11.16.06
